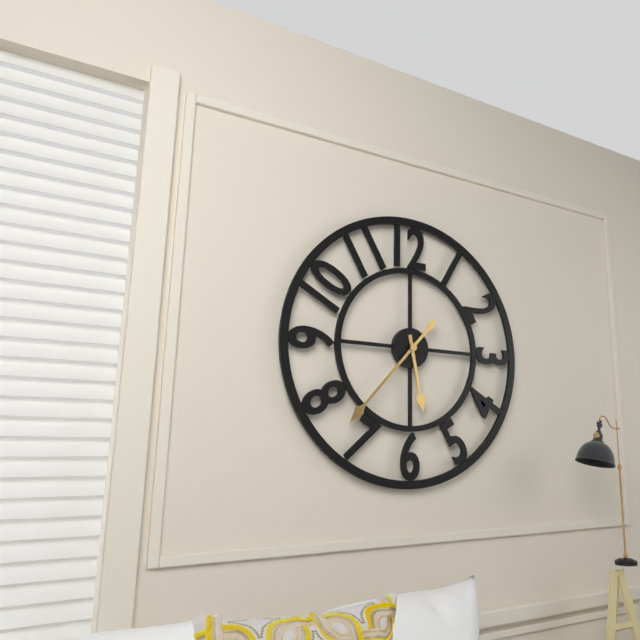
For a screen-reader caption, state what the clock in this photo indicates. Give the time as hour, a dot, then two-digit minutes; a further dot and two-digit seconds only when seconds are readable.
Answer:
5.37
